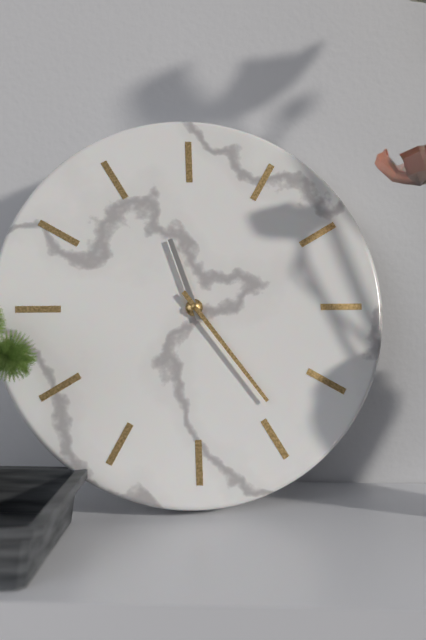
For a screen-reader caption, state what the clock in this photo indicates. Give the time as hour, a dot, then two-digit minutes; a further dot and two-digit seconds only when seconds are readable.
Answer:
11.24
